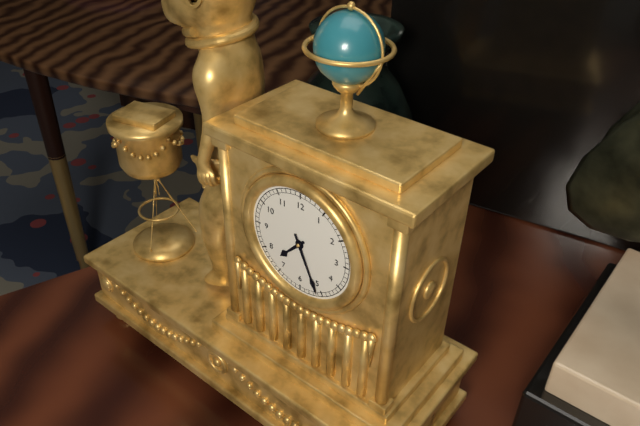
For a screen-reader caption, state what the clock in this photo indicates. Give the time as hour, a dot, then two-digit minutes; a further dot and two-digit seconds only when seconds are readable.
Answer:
7.26
